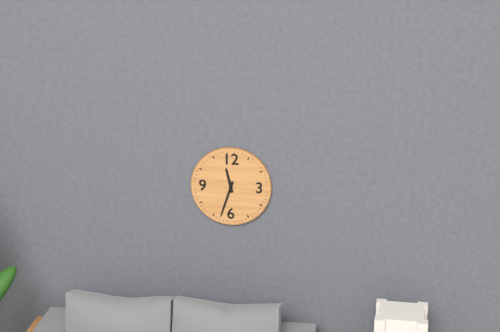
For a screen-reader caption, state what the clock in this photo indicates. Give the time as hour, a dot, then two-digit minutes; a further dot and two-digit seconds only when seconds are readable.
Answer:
11.33
